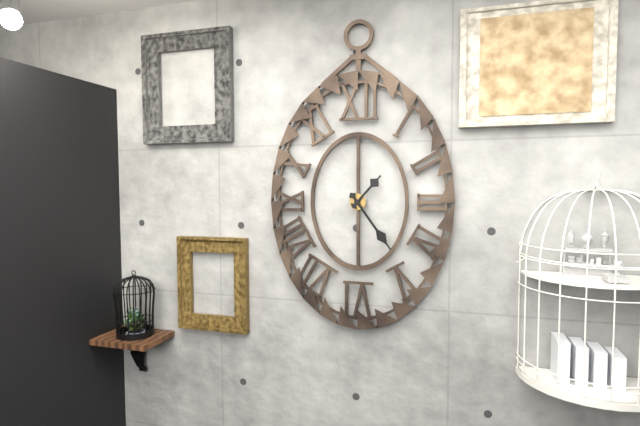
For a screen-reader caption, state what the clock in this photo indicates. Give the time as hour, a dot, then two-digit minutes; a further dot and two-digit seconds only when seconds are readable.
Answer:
1.24
